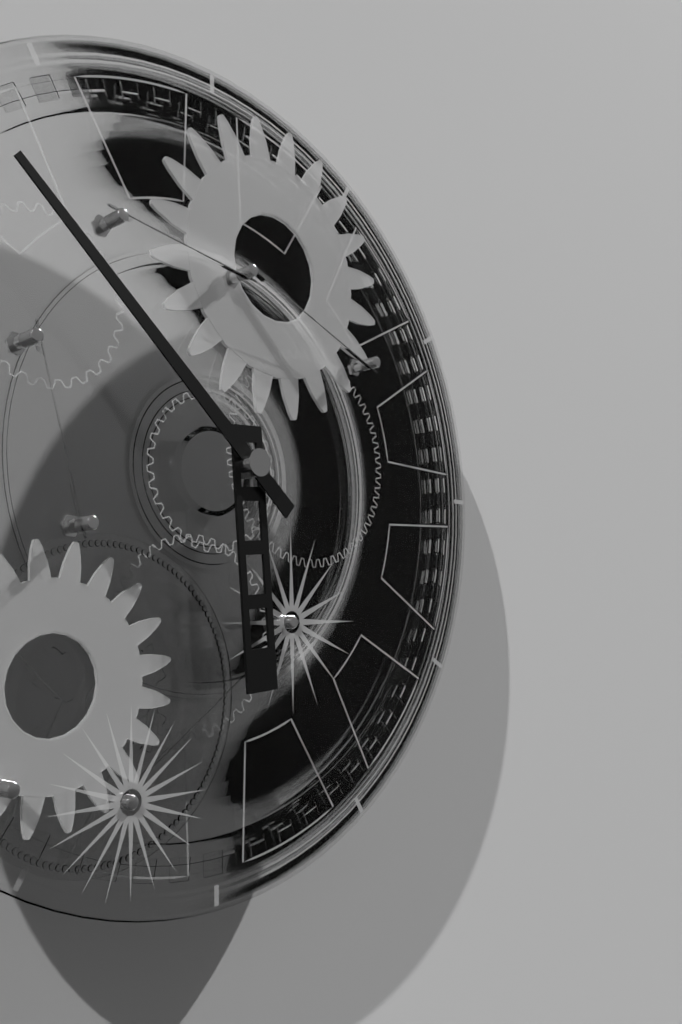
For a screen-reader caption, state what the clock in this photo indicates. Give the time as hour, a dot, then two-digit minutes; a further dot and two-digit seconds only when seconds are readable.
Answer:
5.52
